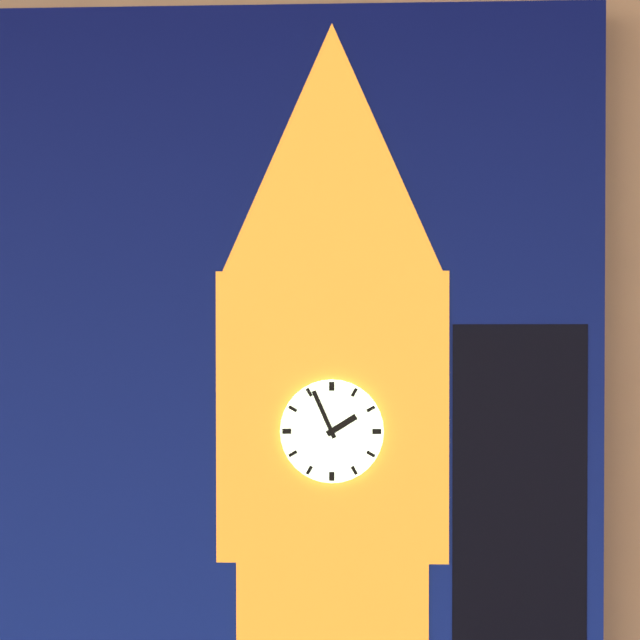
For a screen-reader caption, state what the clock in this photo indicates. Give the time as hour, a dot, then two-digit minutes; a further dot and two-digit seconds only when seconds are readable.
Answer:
1.56
